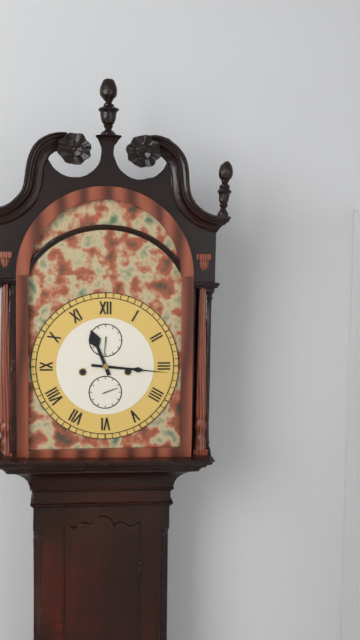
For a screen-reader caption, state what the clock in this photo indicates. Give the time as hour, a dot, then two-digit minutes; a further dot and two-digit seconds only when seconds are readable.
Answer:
11.16
